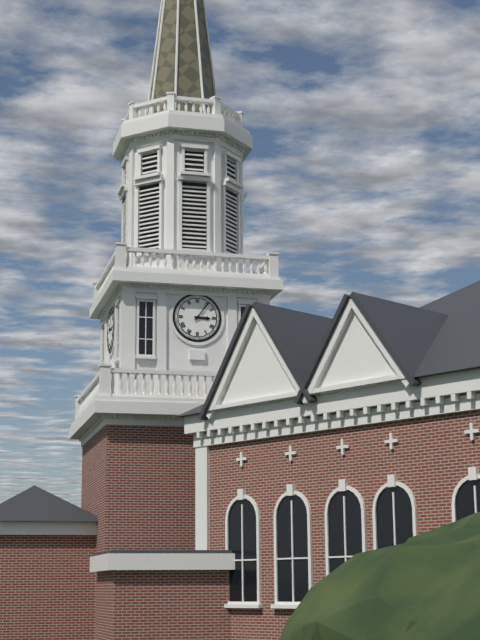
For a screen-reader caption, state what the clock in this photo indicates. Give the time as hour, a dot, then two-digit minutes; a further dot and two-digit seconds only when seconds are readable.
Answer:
3.06
